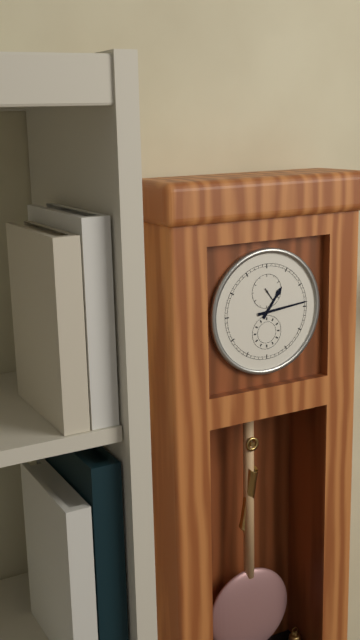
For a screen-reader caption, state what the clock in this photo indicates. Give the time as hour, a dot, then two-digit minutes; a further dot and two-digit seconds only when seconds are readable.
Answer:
1.14
